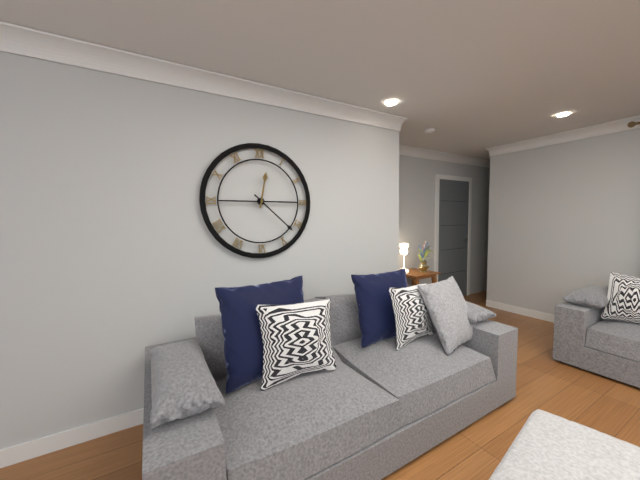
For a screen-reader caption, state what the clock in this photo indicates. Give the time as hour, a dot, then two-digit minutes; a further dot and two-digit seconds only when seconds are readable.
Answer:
12.22
